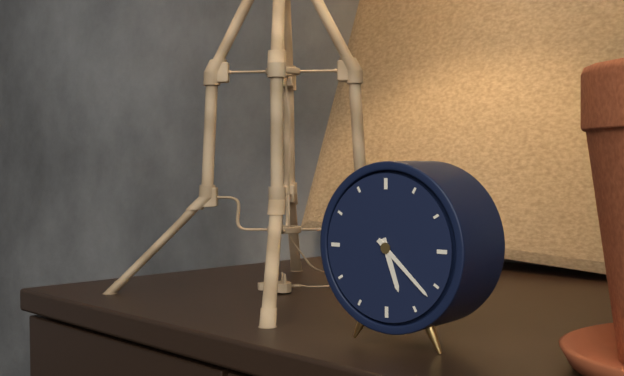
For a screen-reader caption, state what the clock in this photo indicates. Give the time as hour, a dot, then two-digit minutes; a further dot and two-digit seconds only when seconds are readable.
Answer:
5.22
